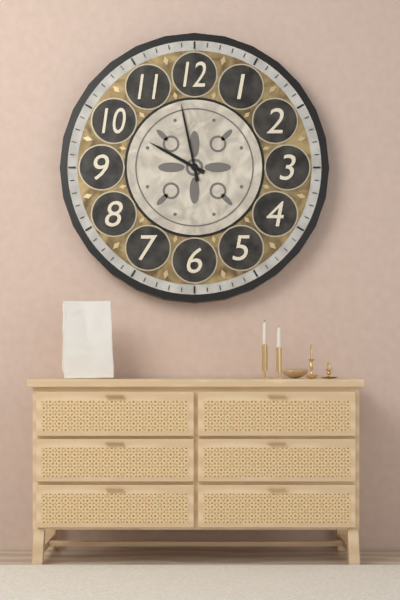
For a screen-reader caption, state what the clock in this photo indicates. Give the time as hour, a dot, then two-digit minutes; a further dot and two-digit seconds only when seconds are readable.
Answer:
9.58
